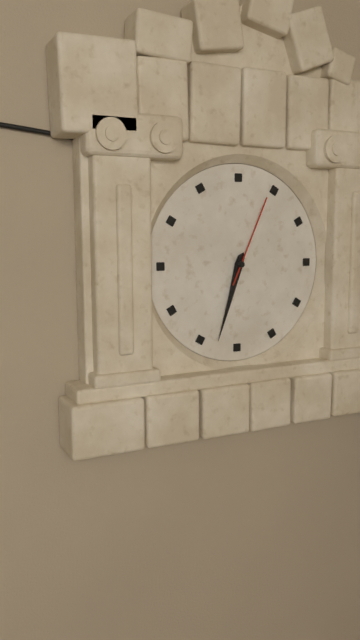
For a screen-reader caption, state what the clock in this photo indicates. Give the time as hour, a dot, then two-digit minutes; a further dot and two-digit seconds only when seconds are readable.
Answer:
6.33.04
